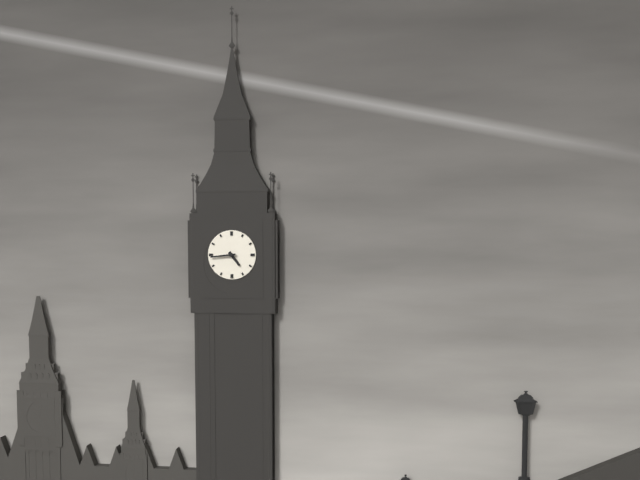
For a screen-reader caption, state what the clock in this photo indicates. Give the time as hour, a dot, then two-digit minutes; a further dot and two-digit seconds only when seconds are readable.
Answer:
4.44
